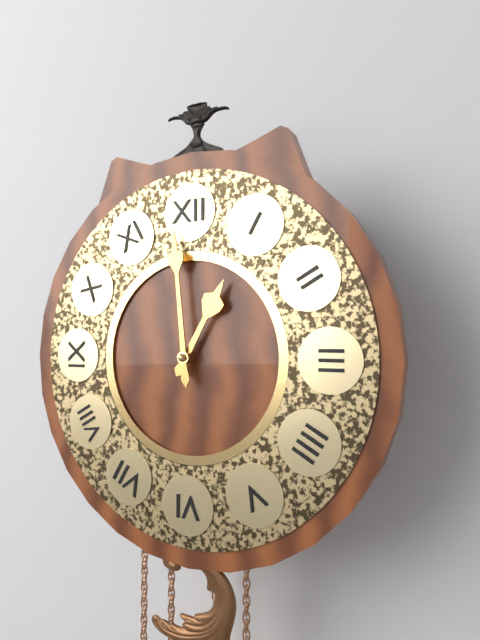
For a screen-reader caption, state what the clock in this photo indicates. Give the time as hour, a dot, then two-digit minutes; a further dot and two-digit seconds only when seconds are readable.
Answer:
12.59
